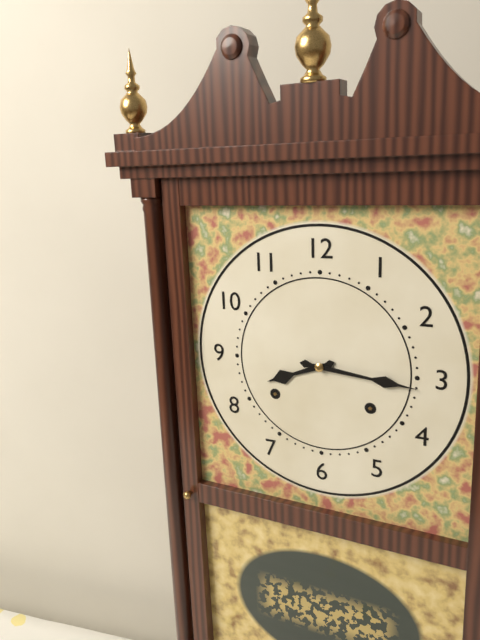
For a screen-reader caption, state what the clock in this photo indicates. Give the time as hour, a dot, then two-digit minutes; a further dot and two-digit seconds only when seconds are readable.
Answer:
8.16
